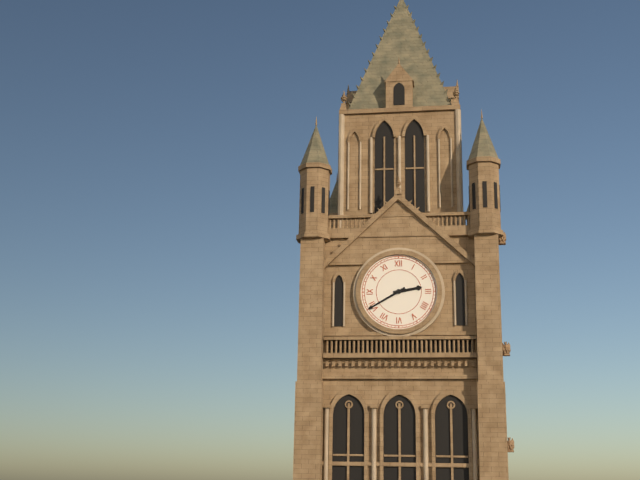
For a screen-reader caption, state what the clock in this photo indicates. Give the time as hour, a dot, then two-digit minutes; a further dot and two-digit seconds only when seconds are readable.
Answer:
2.40
